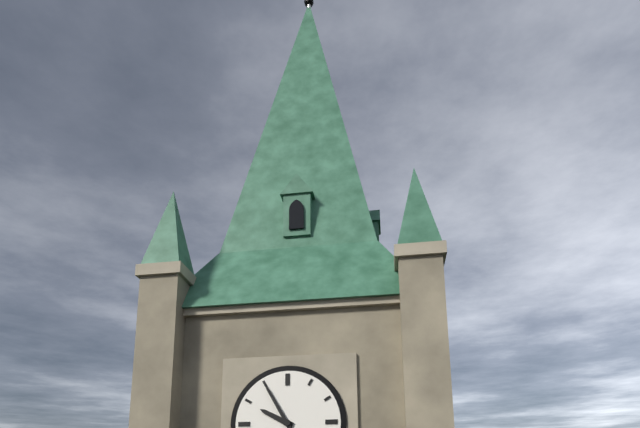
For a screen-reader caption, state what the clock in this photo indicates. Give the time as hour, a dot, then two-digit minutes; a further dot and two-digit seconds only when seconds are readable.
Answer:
9.55
